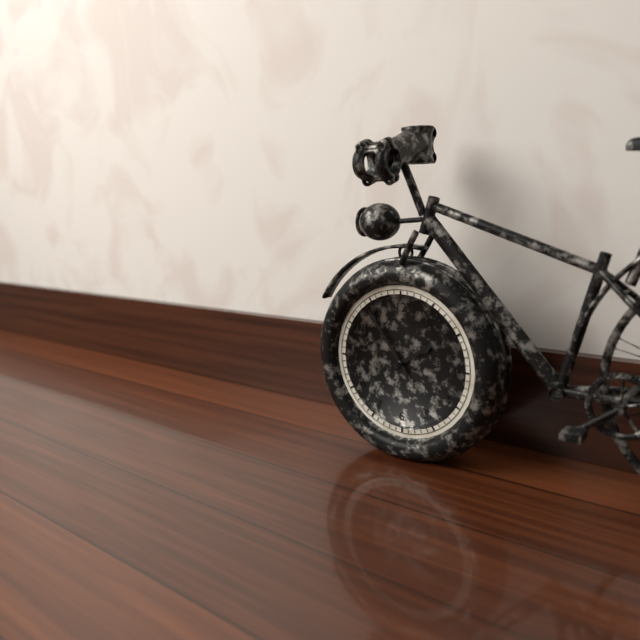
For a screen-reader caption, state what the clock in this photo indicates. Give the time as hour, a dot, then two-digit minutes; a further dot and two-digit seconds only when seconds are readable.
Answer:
1.54
